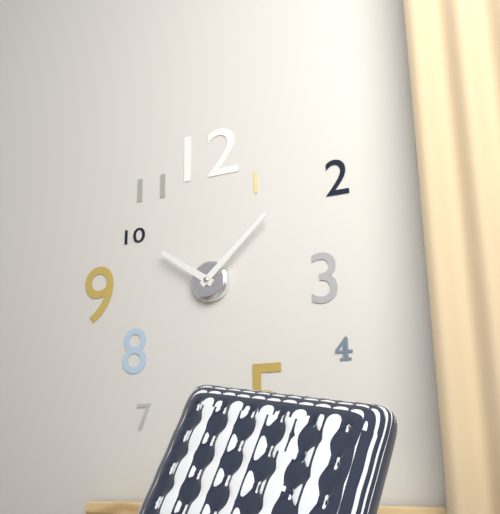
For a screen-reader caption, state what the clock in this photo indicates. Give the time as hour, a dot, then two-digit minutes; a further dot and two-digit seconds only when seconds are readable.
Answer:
10.08
